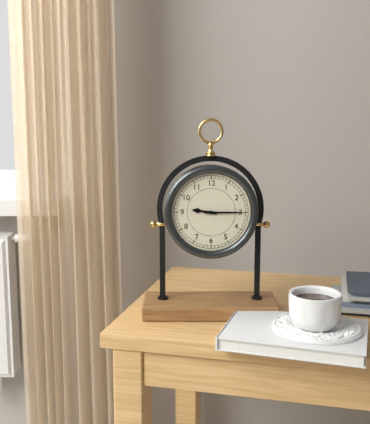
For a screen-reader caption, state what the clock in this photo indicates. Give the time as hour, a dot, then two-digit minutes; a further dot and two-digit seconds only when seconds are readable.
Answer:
9.15
